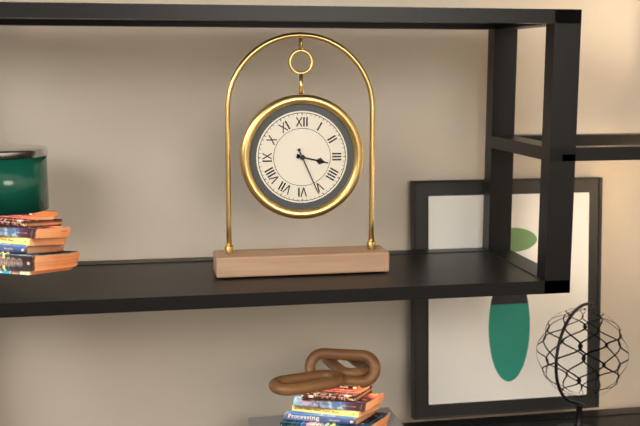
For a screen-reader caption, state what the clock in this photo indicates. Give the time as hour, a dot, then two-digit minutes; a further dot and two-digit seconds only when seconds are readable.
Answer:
3.26
